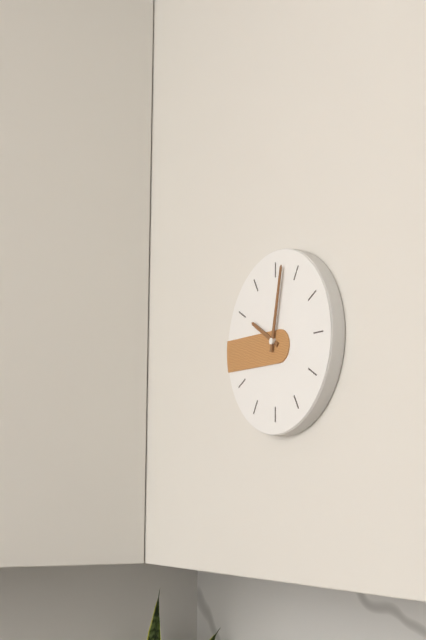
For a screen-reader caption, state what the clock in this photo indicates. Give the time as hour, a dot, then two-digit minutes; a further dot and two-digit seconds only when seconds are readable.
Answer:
10.02
